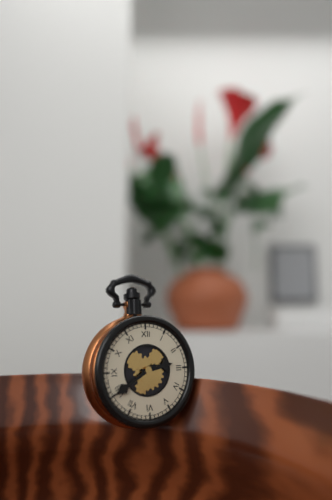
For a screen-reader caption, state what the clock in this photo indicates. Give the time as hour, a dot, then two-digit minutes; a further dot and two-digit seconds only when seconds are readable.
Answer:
2.40
